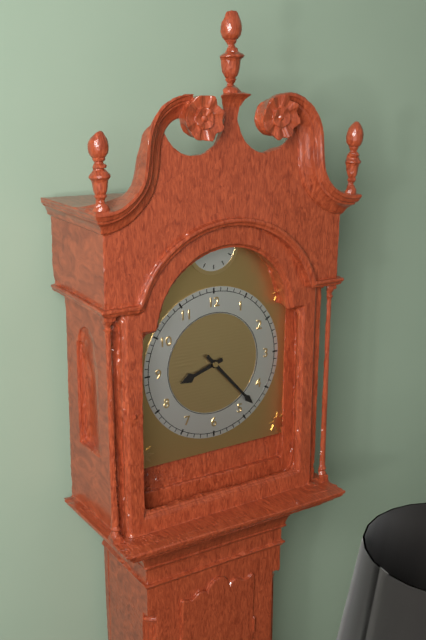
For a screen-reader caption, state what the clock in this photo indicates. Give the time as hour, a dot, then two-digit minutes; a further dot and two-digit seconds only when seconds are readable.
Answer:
8.23
